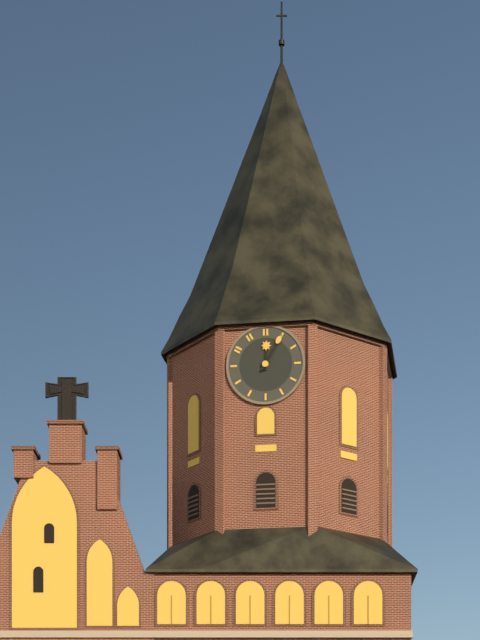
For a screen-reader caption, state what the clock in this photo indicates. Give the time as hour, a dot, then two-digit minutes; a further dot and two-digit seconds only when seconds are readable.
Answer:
12.05
